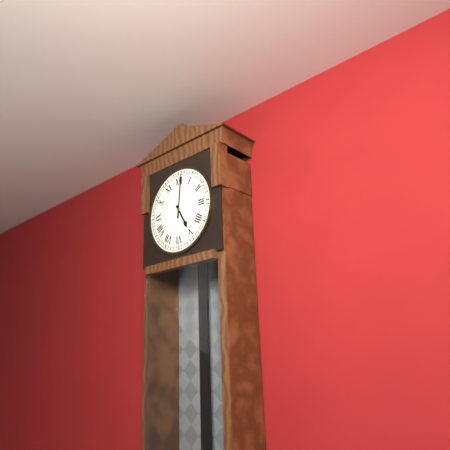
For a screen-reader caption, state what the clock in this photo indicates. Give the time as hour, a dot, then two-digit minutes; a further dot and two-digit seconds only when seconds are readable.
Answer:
5.01
